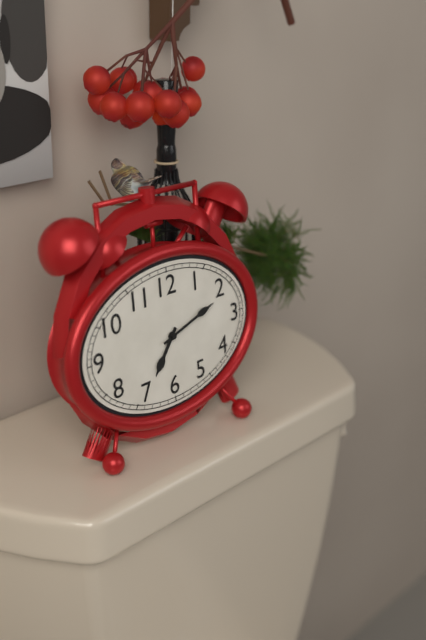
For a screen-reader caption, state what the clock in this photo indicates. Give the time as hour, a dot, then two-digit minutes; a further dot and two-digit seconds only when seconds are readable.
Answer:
7.12
